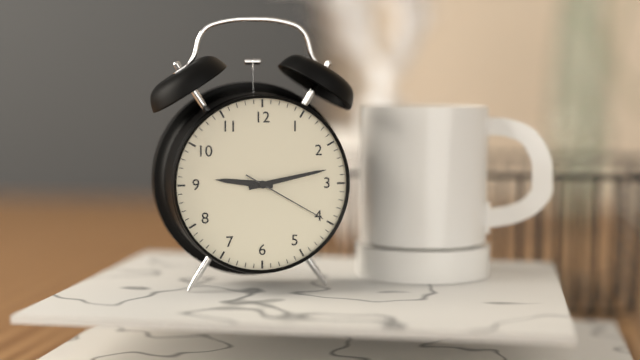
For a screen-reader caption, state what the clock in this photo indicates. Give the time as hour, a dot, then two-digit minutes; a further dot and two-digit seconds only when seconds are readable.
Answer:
9.13.20
